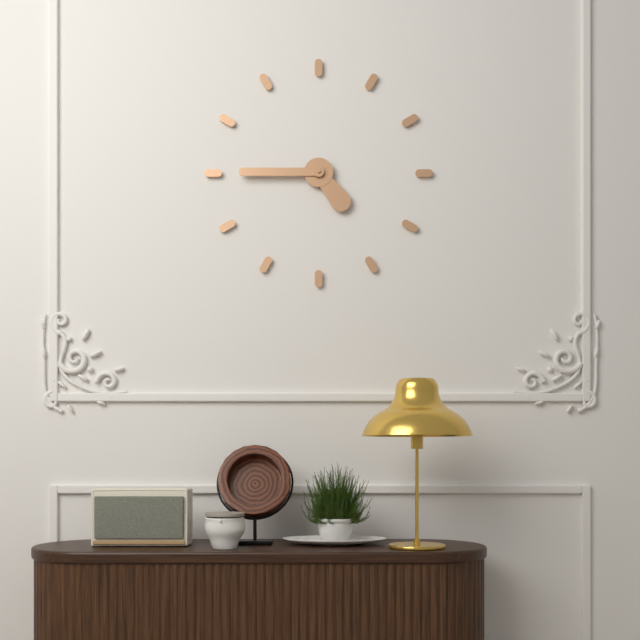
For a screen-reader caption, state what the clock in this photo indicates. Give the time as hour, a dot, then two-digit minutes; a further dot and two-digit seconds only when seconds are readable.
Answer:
4.45
